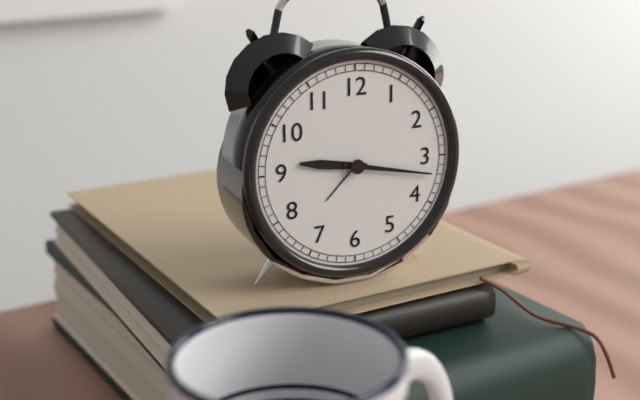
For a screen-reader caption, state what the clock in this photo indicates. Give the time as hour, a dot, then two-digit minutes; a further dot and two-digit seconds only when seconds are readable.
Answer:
9.17
